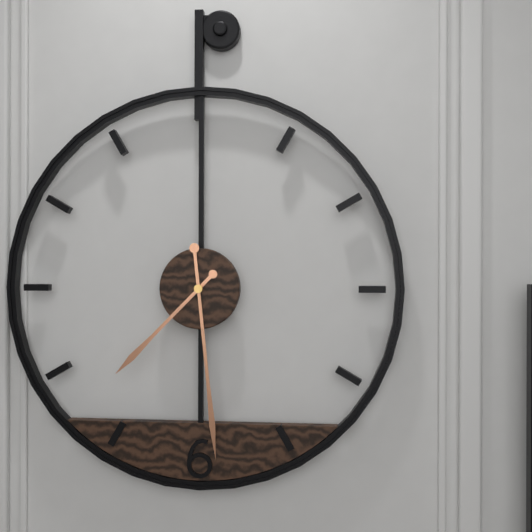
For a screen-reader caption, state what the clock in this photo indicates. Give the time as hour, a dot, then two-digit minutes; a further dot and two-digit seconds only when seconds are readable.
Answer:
7.29
